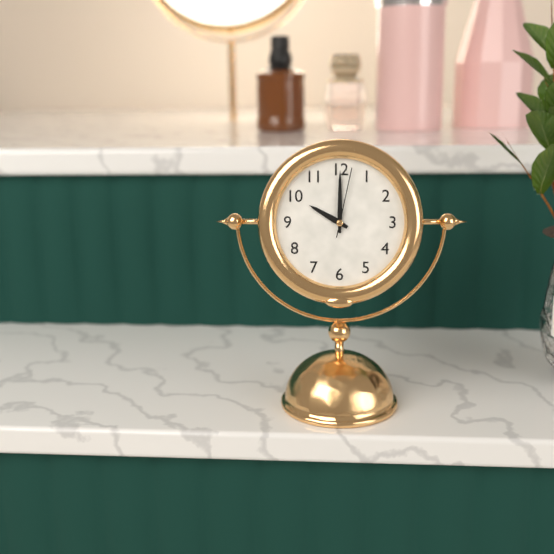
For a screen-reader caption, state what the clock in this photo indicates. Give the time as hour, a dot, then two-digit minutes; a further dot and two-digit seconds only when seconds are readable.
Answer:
10.00.02
